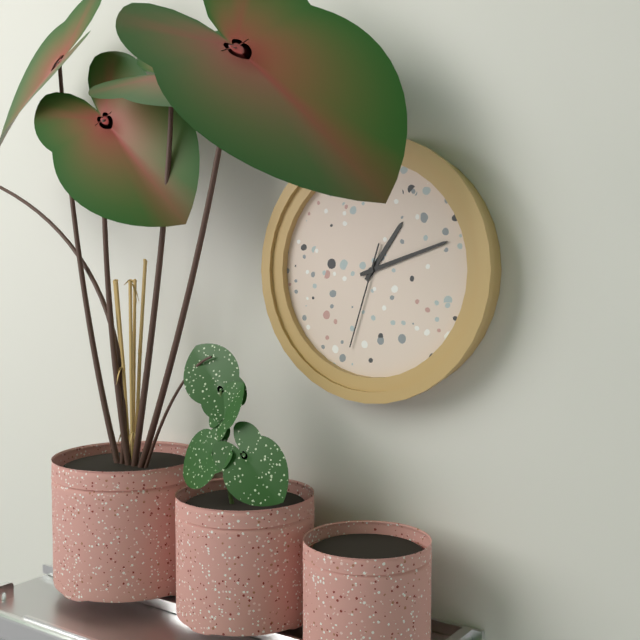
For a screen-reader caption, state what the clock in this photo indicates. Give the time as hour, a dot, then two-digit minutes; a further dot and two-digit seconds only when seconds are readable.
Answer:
1.12.33
